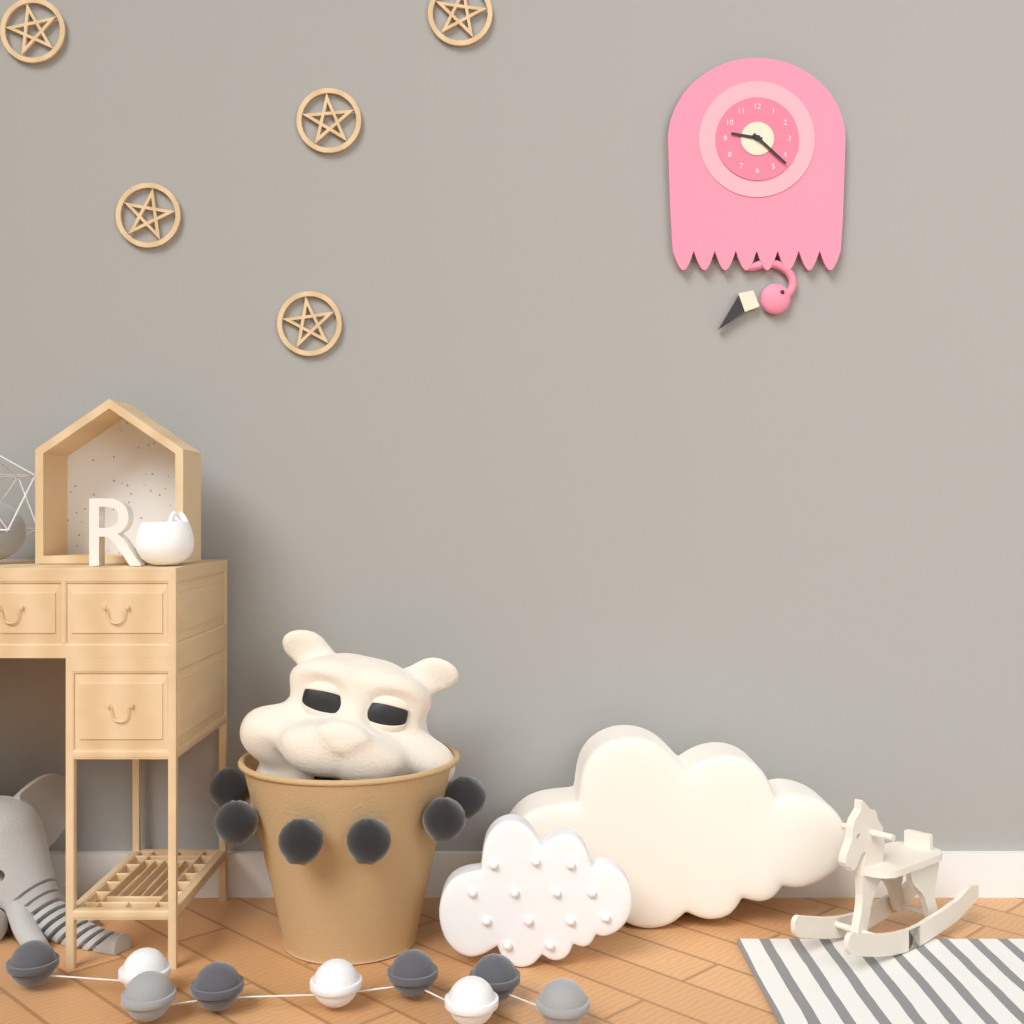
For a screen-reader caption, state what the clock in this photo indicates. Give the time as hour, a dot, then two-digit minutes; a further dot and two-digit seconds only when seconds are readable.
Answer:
9.22
